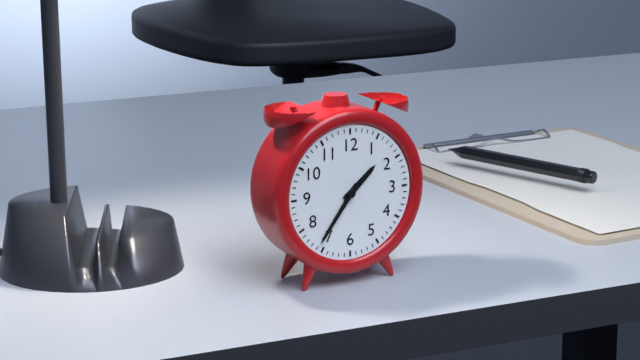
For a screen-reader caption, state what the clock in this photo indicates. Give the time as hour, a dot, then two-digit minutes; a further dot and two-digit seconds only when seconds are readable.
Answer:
1.36
